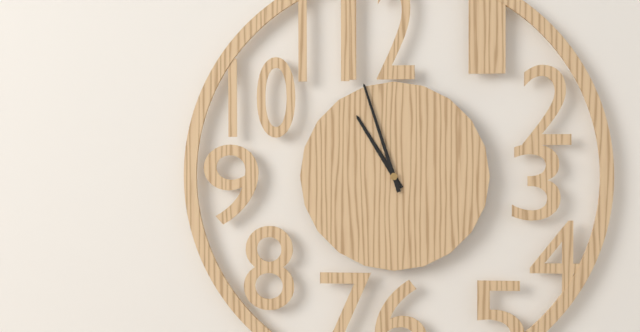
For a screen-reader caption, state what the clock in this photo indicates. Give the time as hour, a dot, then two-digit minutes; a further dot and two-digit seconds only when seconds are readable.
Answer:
10.57
